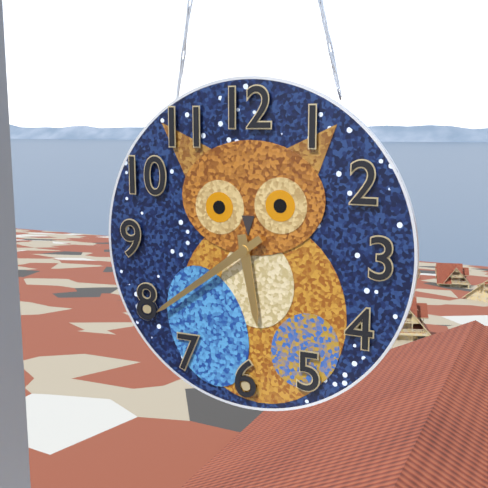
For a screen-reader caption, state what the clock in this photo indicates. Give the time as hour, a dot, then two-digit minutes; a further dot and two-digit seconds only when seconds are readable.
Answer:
5.39
